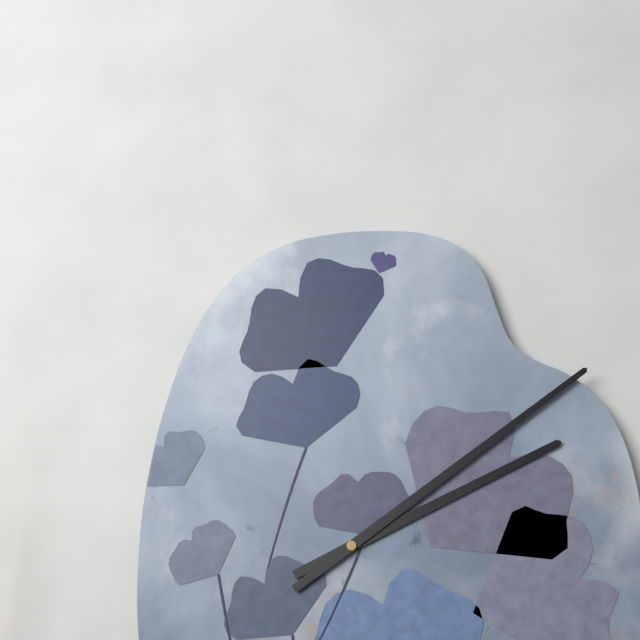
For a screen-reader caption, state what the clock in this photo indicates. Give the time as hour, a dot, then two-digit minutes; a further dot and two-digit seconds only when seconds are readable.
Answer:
2.09
